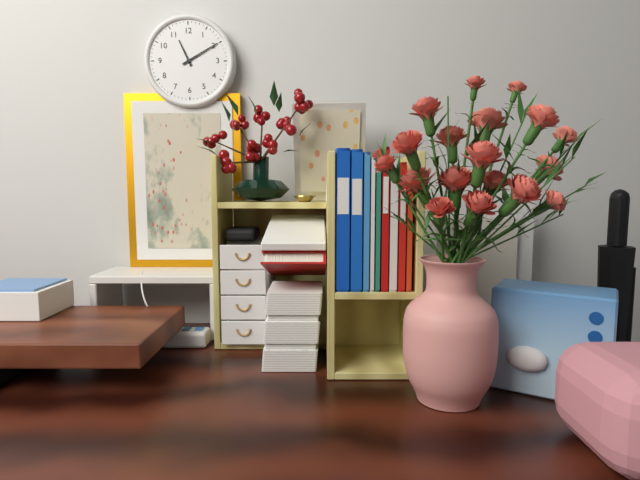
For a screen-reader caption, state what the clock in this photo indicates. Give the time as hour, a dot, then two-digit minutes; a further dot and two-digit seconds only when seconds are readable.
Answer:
11.10
